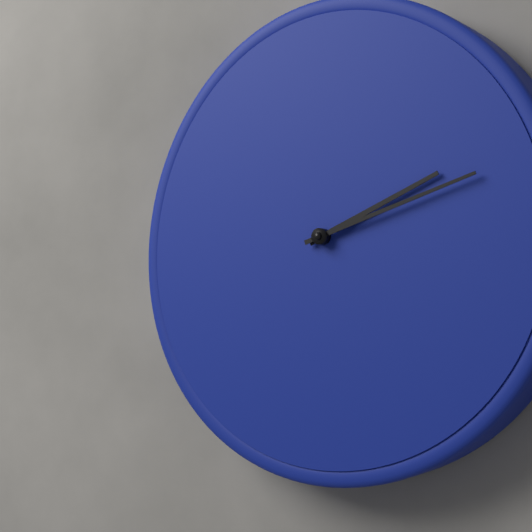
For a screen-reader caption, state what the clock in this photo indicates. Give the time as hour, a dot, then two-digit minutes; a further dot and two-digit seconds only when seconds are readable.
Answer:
2.12
